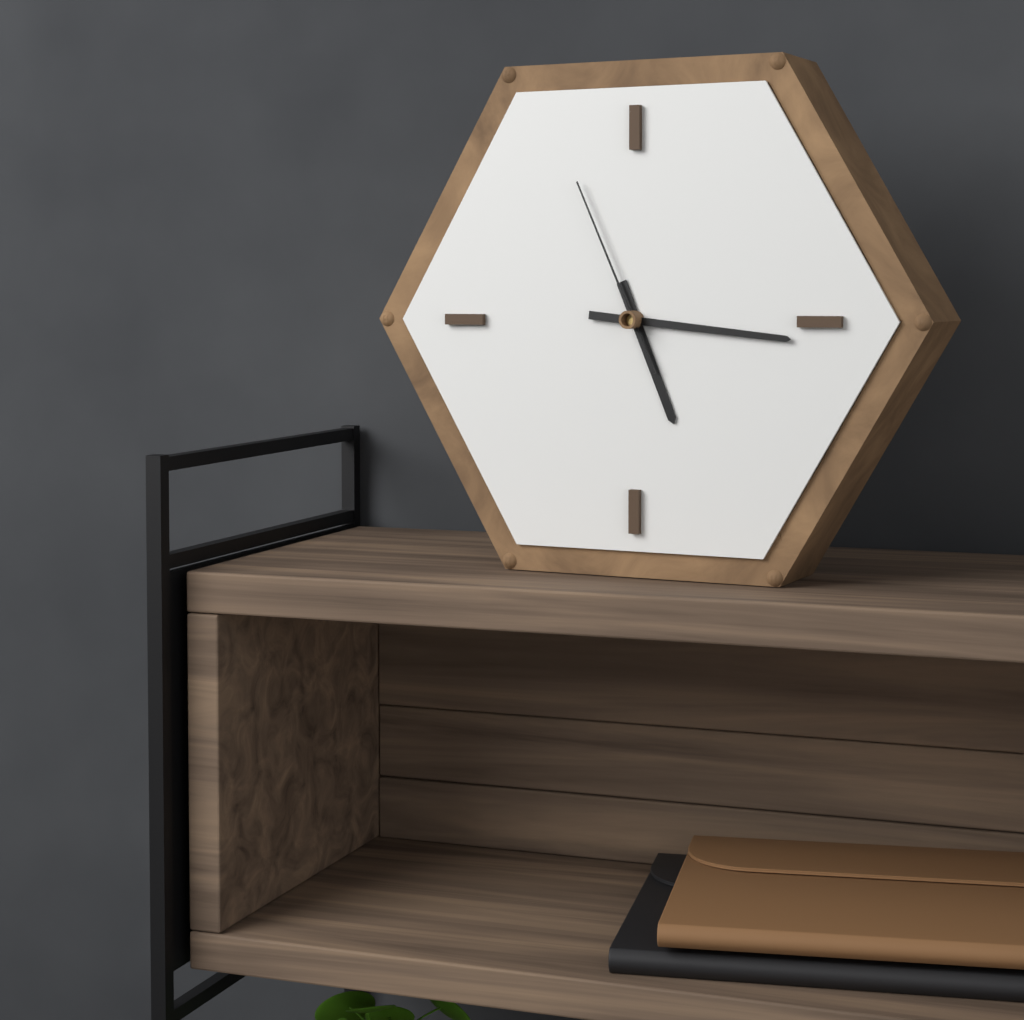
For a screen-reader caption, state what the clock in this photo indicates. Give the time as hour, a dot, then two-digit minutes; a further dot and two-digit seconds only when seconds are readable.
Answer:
5.16.56
